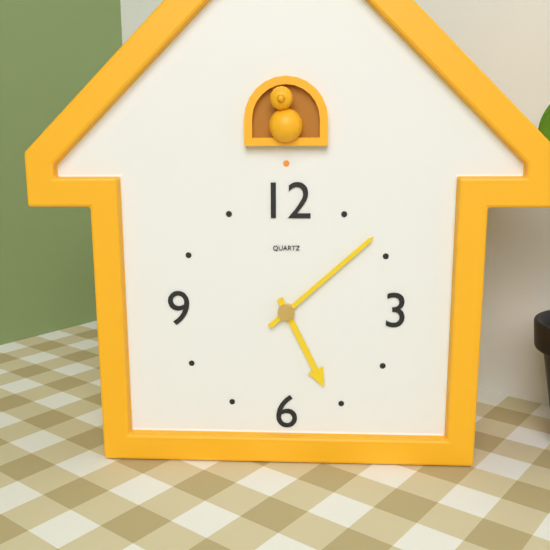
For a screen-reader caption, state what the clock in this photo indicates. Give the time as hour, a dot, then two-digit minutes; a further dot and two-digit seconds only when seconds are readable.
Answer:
5.08
